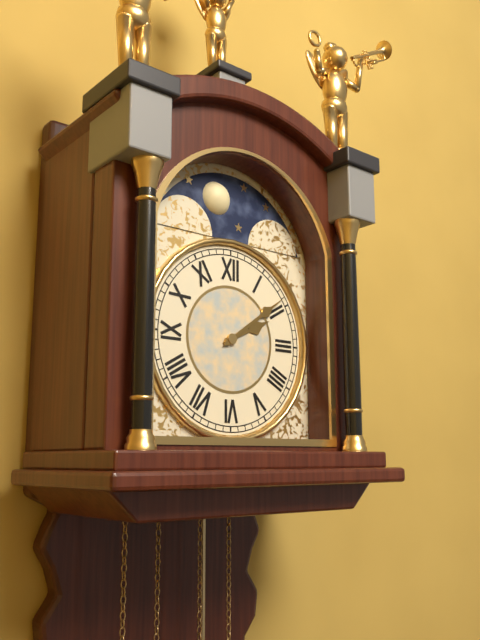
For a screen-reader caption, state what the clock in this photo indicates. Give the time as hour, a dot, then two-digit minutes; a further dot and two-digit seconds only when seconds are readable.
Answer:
2.09
